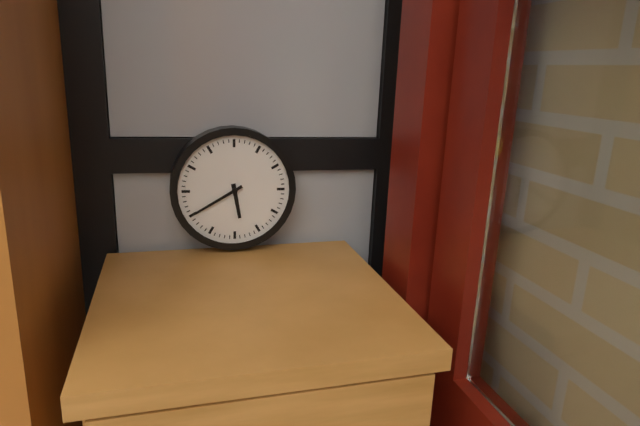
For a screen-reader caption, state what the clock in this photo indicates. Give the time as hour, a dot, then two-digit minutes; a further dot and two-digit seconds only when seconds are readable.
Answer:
5.40
